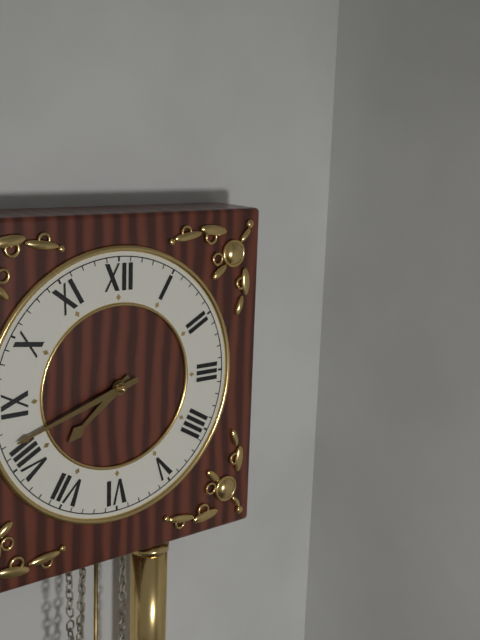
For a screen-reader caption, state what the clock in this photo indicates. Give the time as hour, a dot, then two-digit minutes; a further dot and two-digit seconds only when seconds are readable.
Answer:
7.42
